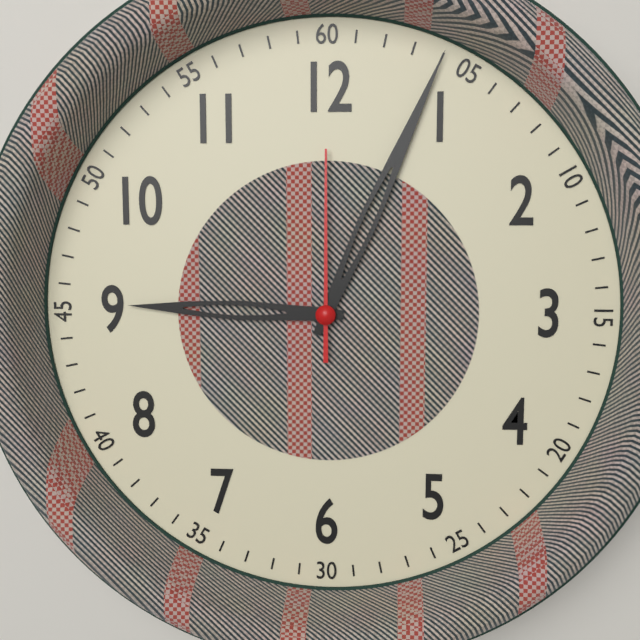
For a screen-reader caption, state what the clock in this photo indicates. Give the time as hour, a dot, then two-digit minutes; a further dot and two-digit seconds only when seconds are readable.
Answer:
9.04.00
